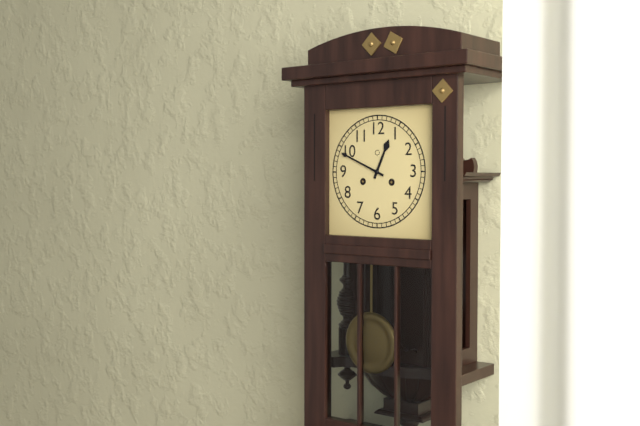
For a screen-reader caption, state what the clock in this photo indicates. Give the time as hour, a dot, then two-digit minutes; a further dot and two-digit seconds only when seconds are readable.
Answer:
12.49
